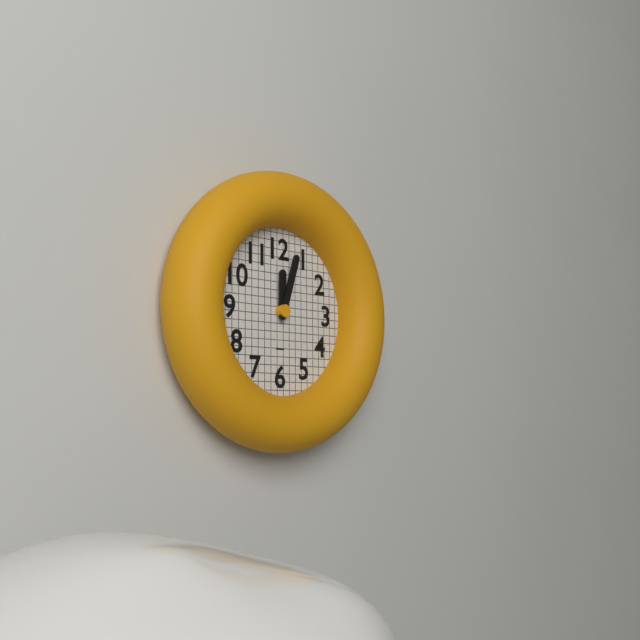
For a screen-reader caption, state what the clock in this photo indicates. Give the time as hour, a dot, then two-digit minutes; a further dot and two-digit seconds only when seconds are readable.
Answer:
12.03
